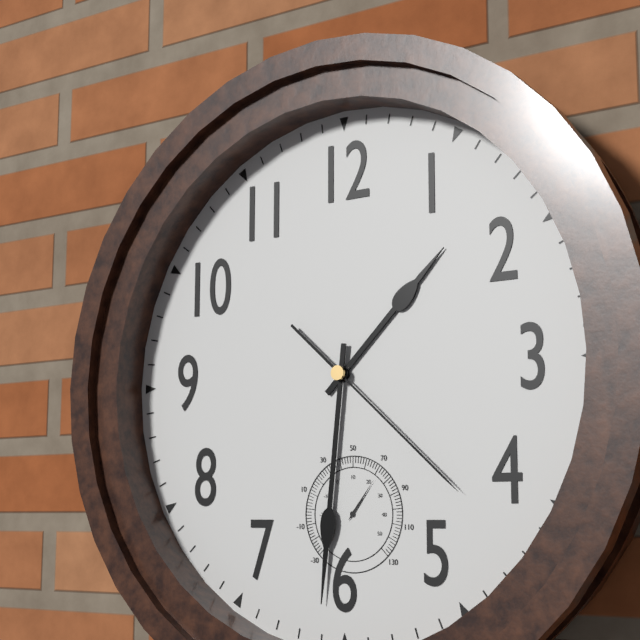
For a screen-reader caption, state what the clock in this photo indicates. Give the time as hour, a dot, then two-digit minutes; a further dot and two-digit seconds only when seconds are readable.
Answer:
1.31.22
